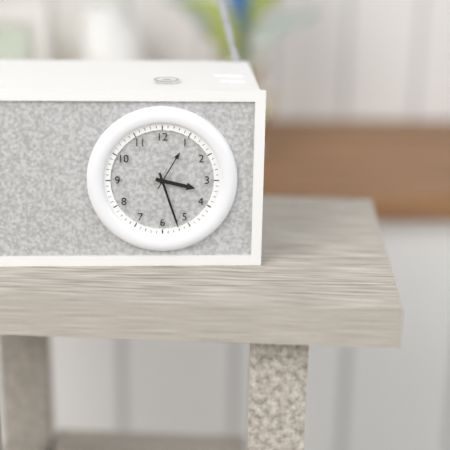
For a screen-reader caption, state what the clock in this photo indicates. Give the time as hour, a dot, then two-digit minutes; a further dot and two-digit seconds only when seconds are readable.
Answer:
3.27
